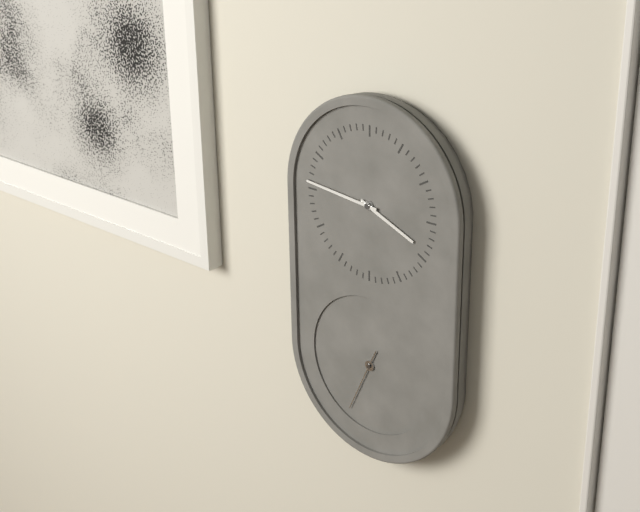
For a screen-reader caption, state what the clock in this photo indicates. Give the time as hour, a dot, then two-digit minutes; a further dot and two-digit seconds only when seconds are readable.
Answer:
3.46.34
